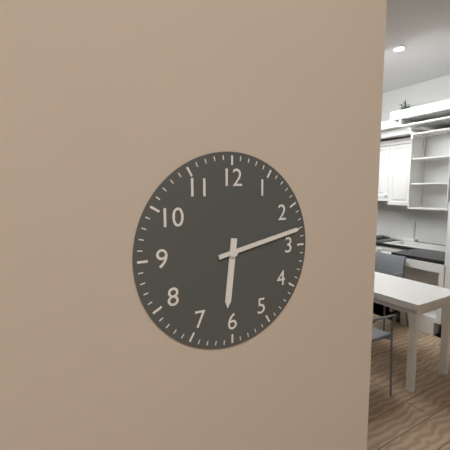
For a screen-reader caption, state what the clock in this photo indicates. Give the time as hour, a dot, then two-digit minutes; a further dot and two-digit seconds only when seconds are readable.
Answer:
6.13
